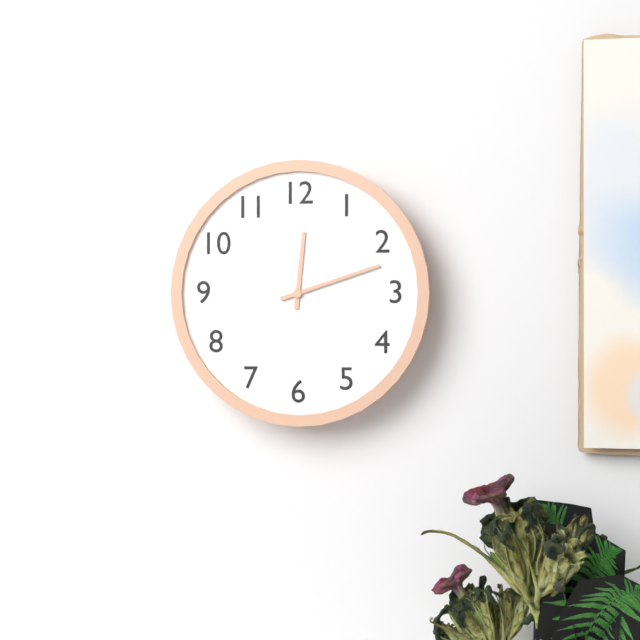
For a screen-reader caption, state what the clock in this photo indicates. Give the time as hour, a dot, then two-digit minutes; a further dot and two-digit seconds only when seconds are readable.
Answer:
12.12
